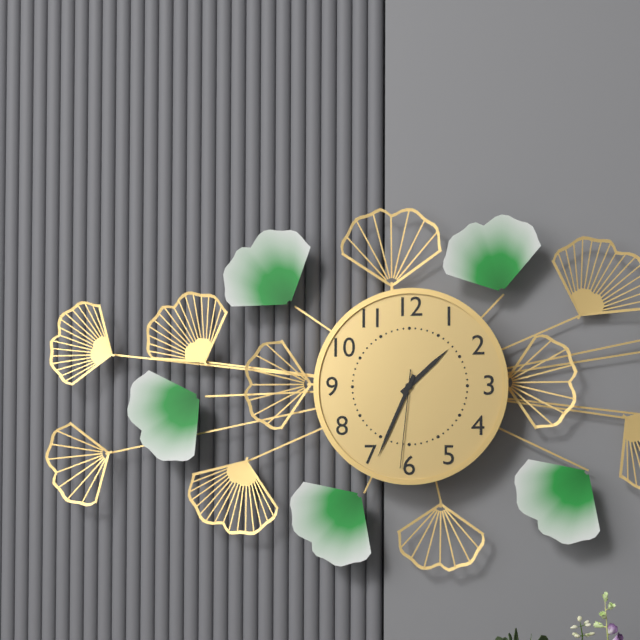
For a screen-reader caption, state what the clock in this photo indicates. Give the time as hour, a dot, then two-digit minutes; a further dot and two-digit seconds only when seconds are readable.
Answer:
1.34.31
